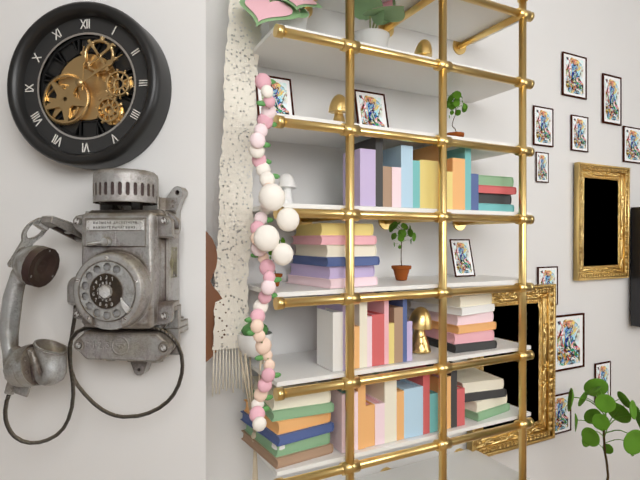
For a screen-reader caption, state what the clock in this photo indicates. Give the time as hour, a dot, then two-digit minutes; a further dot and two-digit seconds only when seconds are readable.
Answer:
12.10
